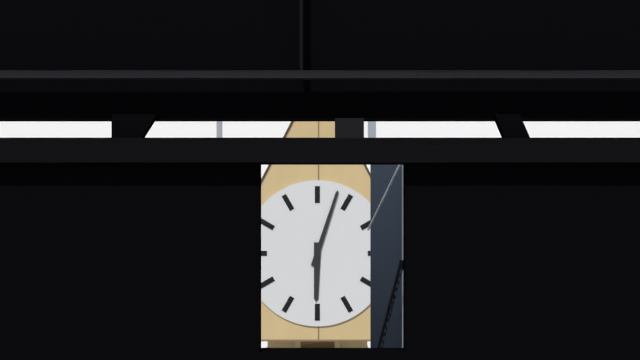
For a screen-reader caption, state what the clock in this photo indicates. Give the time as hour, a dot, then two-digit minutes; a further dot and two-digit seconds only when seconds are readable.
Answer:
6.03
